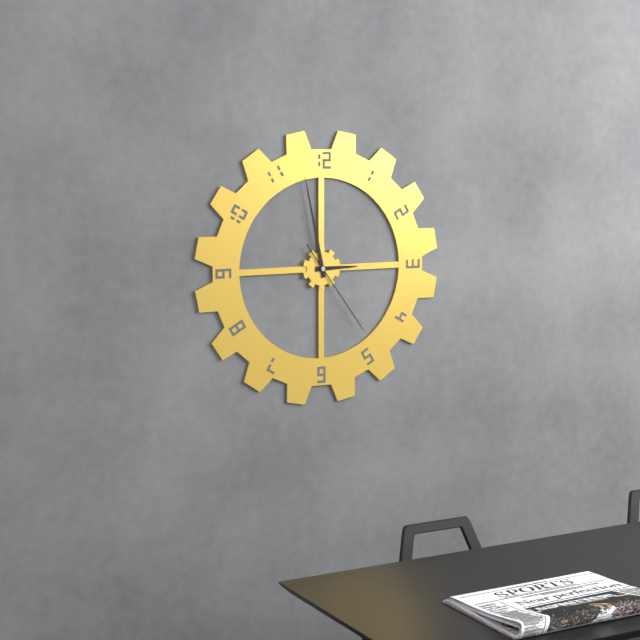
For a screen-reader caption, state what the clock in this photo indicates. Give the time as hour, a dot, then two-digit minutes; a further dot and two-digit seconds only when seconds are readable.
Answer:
2.58.24
